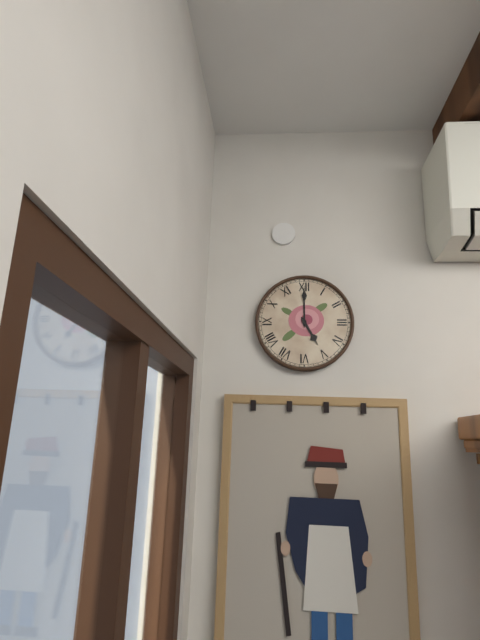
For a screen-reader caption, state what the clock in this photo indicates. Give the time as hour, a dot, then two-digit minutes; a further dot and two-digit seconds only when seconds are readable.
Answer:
5.00
